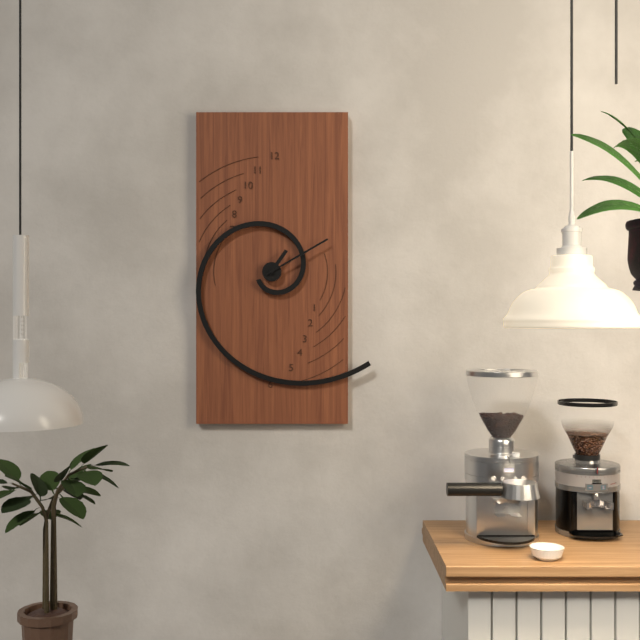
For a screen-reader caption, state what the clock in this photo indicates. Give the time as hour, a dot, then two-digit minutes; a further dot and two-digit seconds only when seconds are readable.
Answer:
1.10
